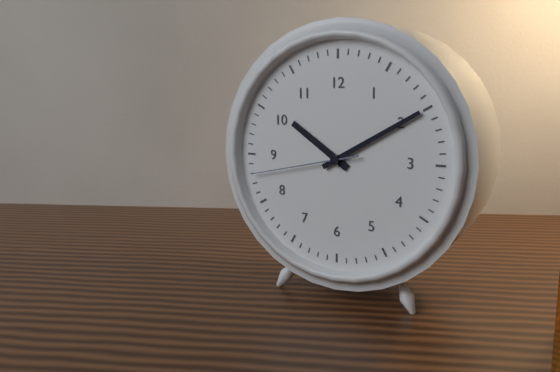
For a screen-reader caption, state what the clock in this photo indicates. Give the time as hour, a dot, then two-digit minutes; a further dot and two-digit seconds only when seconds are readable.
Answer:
10.10.43
